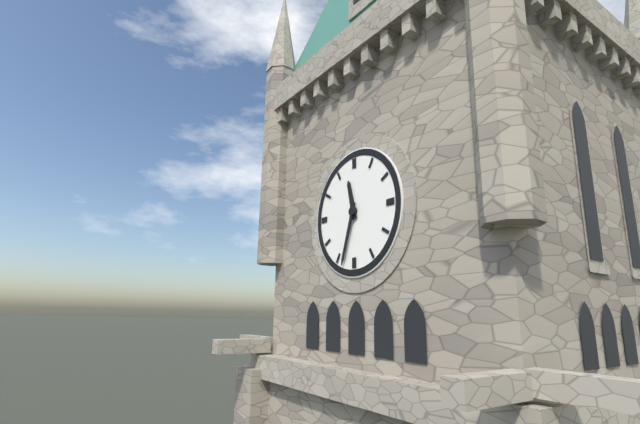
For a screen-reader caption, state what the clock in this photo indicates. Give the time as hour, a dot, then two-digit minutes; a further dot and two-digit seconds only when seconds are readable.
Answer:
11.33
